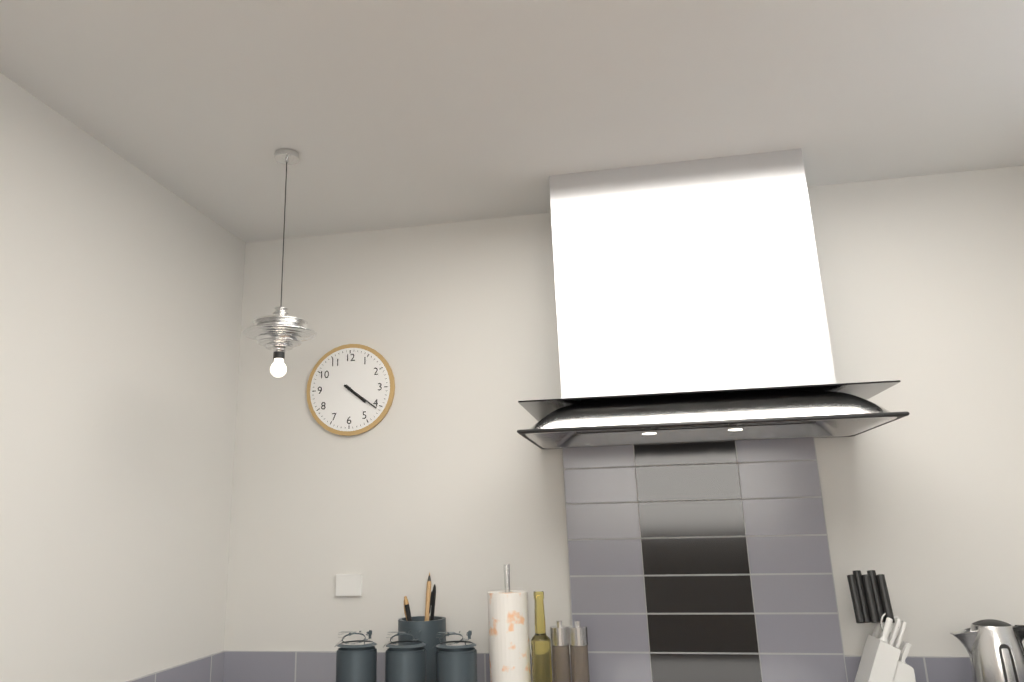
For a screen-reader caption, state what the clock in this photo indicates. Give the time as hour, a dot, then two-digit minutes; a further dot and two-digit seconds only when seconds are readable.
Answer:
4.21
